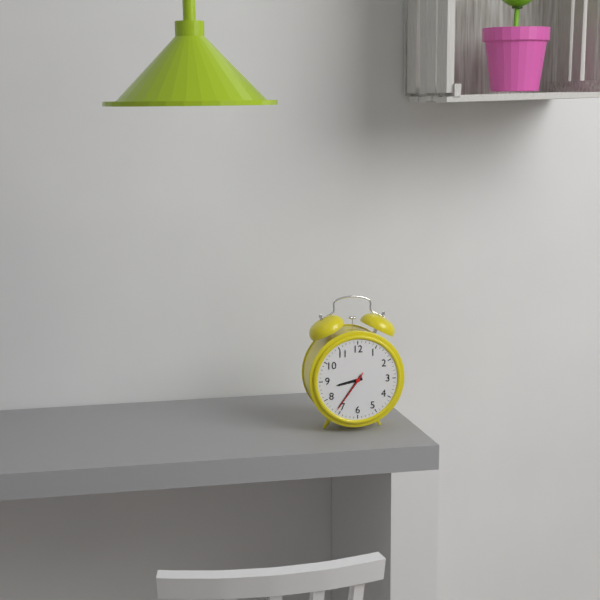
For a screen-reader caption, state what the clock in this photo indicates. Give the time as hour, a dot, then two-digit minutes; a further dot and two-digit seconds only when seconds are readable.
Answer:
8.36
